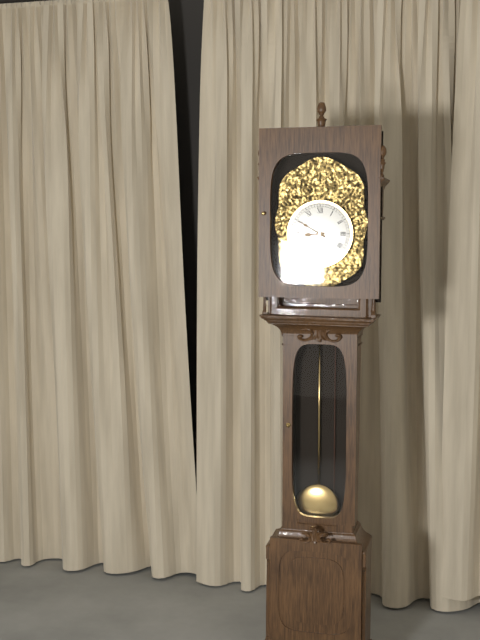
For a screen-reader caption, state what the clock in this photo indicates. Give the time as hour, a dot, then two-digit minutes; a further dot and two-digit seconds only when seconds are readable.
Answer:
8.50
